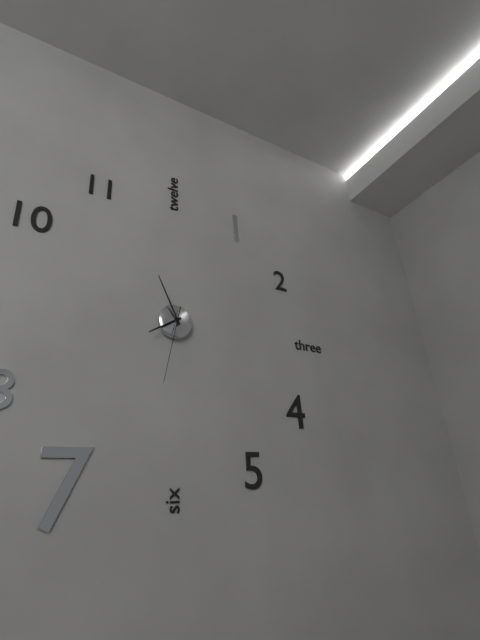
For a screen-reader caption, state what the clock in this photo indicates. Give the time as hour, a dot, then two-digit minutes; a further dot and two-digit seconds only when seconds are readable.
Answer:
7.56.32
